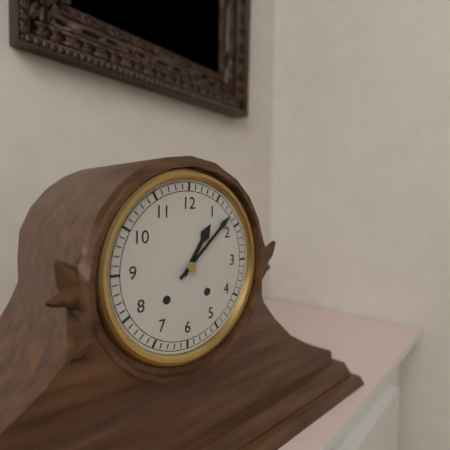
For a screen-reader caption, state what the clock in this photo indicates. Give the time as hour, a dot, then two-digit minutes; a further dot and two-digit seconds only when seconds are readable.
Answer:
1.08
